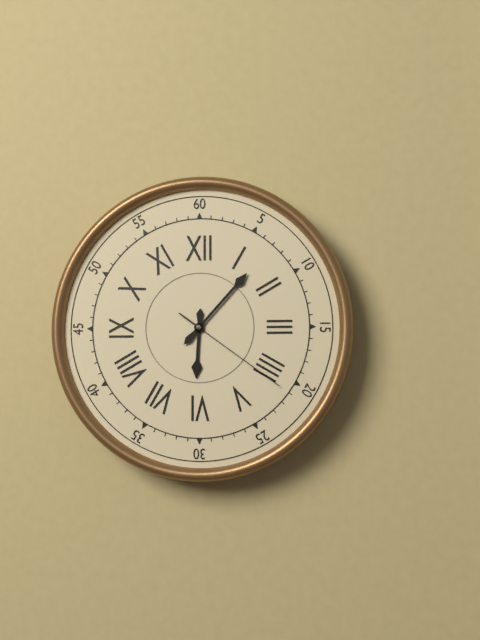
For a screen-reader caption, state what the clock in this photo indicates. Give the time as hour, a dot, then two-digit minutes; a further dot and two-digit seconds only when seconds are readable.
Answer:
6.07.21
